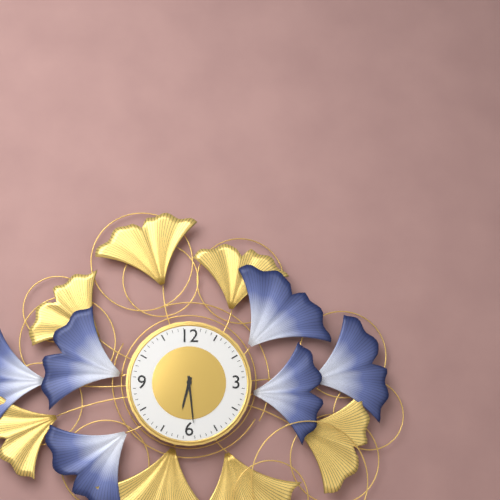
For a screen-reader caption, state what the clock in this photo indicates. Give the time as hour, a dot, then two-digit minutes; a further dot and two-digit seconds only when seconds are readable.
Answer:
6.29
